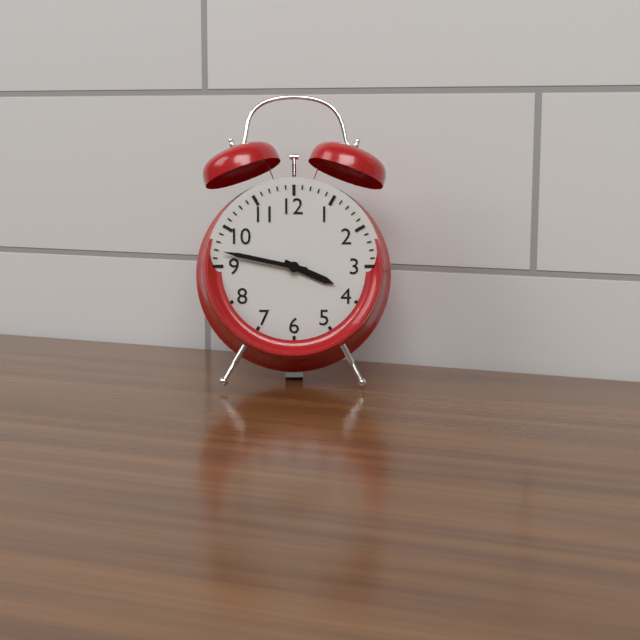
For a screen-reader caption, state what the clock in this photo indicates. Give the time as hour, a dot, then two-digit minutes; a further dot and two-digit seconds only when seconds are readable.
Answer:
3.47
